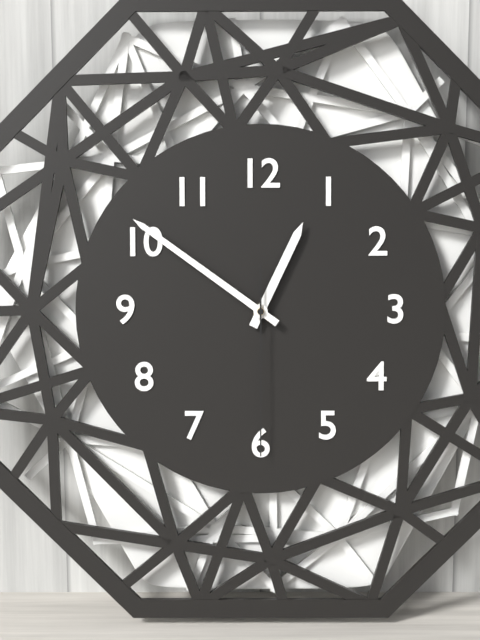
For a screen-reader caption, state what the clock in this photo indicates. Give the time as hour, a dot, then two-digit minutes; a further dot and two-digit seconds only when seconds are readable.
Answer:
12.51.30
